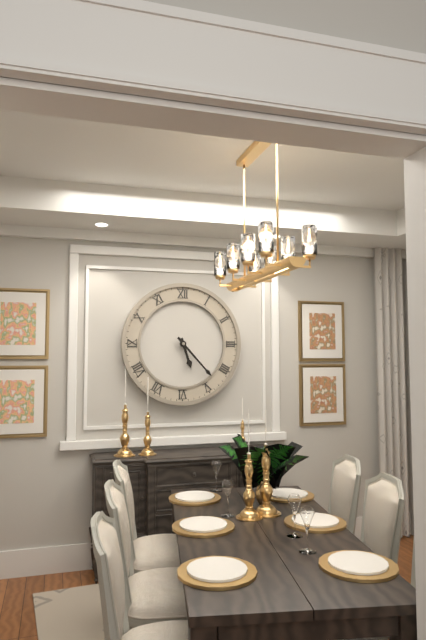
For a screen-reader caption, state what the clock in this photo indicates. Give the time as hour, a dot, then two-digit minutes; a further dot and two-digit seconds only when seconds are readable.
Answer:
5.23
